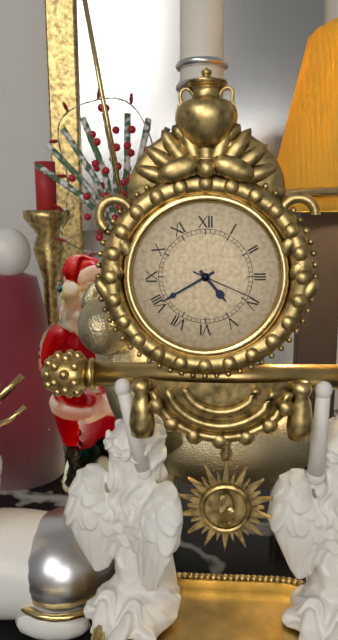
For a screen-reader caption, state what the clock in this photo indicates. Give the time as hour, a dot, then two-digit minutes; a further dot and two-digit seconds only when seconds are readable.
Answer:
4.40.19
